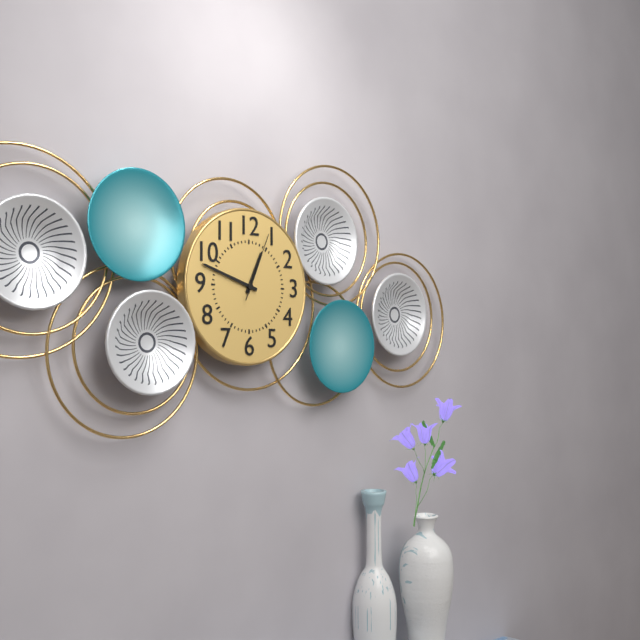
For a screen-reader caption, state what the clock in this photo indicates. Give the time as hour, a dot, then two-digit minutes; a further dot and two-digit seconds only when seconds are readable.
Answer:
12.48.04
